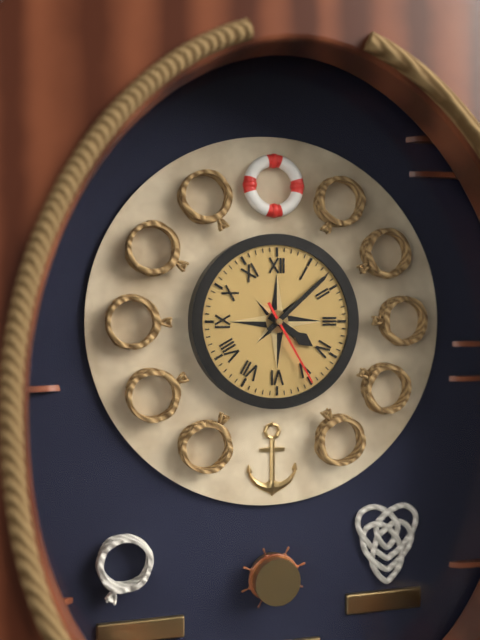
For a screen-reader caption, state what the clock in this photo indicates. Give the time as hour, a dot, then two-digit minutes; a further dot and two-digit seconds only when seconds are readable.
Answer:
4.08.25
